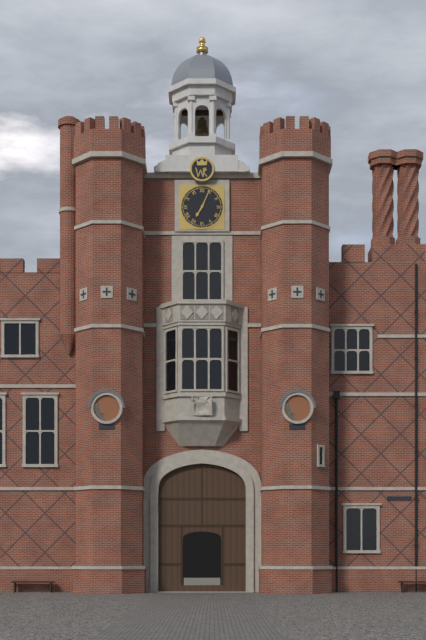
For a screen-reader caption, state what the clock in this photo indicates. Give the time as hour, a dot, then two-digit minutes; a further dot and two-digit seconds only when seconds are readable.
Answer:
7.04
